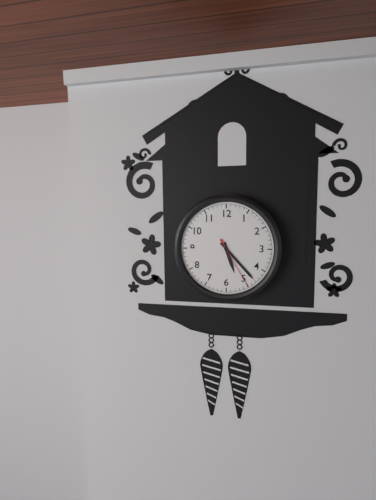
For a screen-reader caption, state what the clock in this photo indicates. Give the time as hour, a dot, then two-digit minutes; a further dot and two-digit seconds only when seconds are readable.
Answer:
5.23.25
